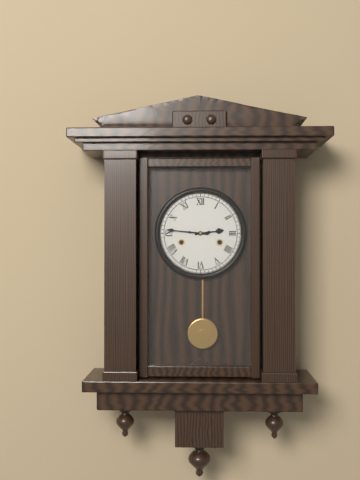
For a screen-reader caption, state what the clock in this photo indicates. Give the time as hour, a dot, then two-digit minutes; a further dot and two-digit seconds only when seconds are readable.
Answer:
2.46
